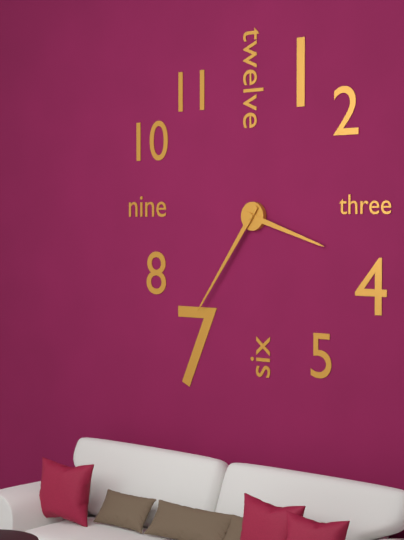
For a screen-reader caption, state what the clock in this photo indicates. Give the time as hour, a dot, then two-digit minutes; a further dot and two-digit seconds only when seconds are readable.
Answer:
3.36
